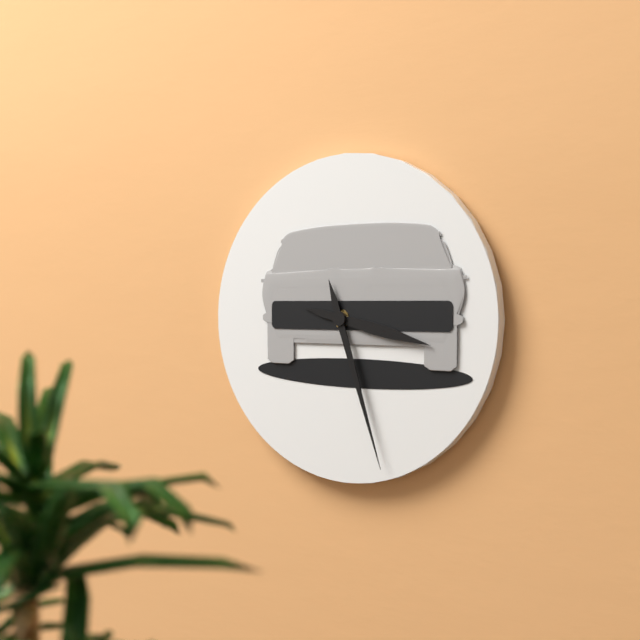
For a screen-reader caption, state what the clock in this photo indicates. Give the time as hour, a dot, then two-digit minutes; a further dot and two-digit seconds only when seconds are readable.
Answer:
3.27
